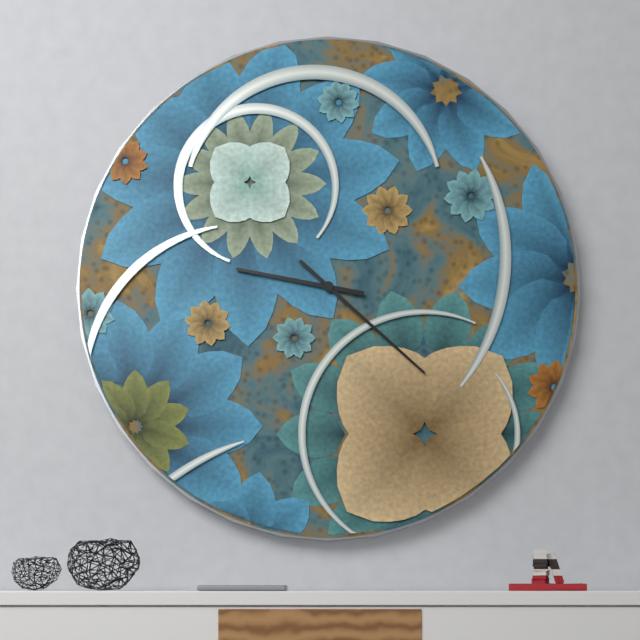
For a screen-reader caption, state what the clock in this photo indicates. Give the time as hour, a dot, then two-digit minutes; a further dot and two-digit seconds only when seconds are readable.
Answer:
9.22
